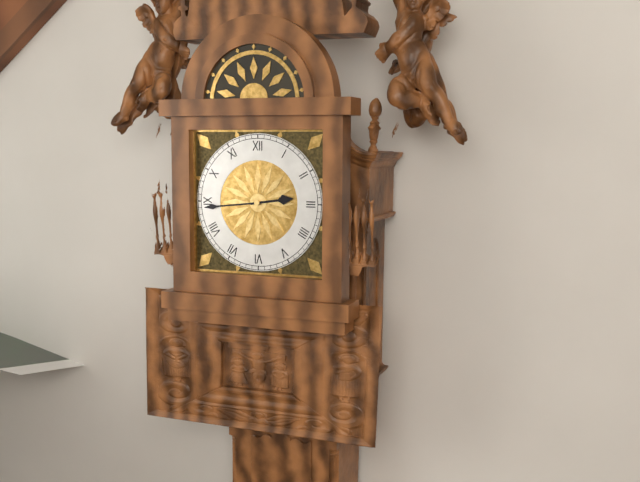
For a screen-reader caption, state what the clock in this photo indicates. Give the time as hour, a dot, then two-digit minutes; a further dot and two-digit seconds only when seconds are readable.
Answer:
2.44
